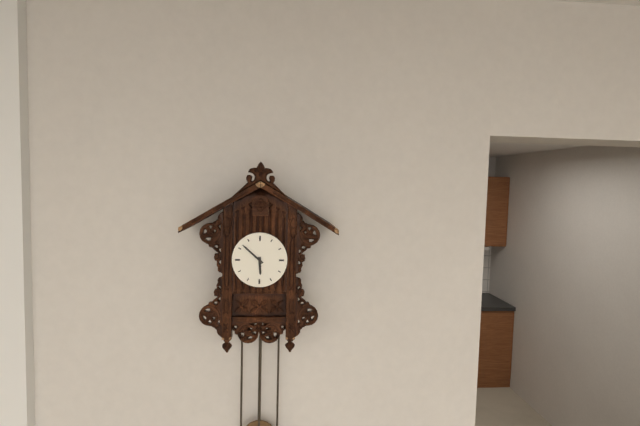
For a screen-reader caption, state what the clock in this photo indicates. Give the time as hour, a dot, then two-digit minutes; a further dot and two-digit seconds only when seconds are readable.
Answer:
5.52
